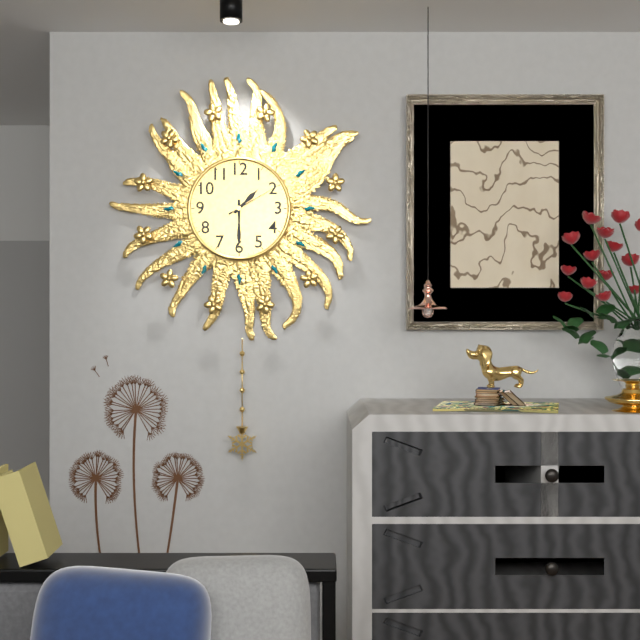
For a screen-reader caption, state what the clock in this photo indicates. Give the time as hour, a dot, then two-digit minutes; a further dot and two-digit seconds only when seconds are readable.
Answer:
1.30.10
